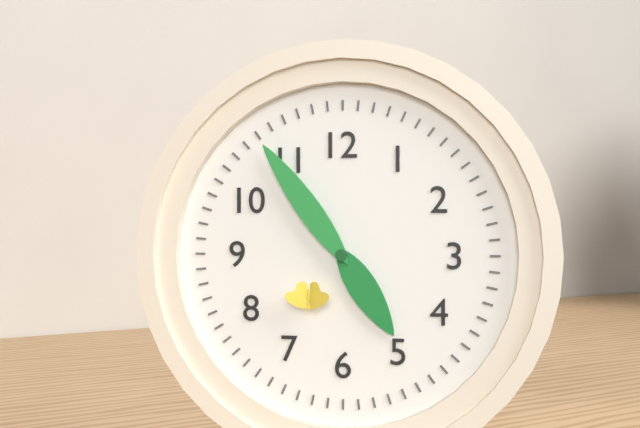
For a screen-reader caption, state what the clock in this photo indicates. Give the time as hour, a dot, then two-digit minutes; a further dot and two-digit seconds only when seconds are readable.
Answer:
4.54
